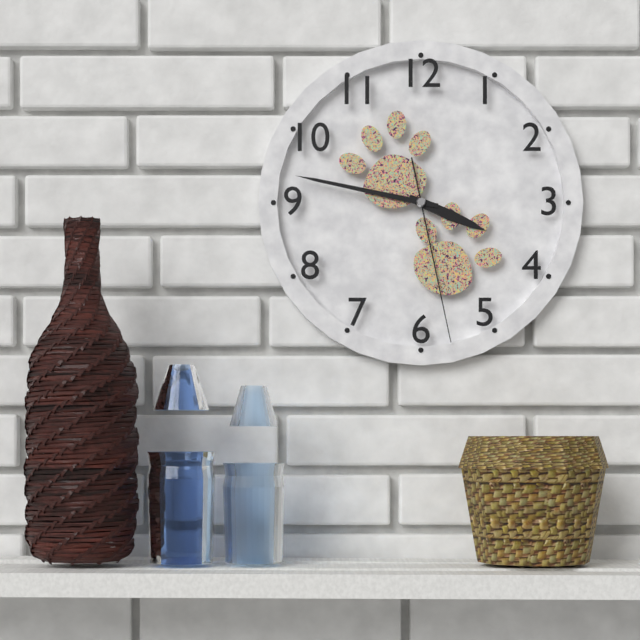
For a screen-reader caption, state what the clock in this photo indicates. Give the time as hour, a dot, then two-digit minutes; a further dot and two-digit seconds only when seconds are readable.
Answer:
3.47.28
